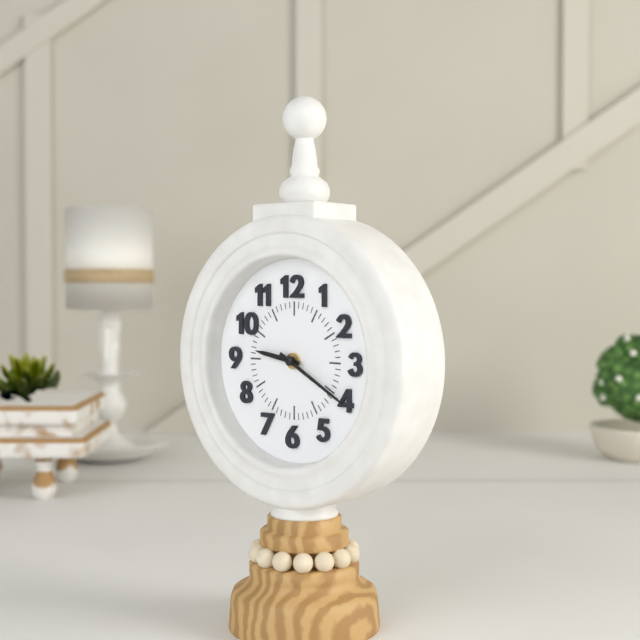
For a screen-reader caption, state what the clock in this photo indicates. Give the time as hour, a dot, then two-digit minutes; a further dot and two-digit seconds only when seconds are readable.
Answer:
9.20
